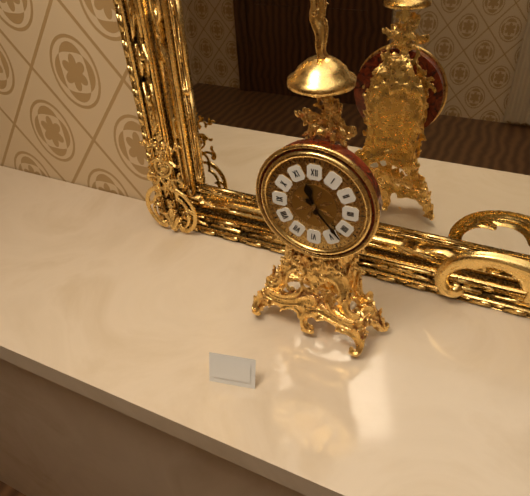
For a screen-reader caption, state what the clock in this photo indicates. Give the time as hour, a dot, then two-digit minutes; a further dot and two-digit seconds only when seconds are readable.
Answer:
11.23
